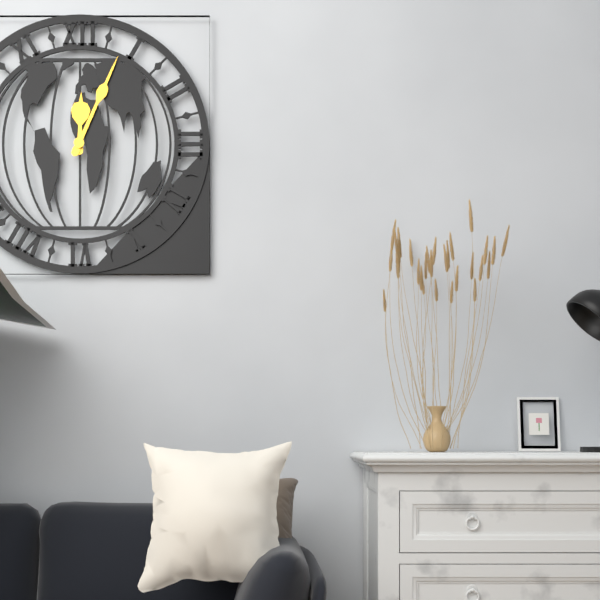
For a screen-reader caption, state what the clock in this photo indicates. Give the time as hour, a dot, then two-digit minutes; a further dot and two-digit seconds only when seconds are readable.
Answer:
12.04
